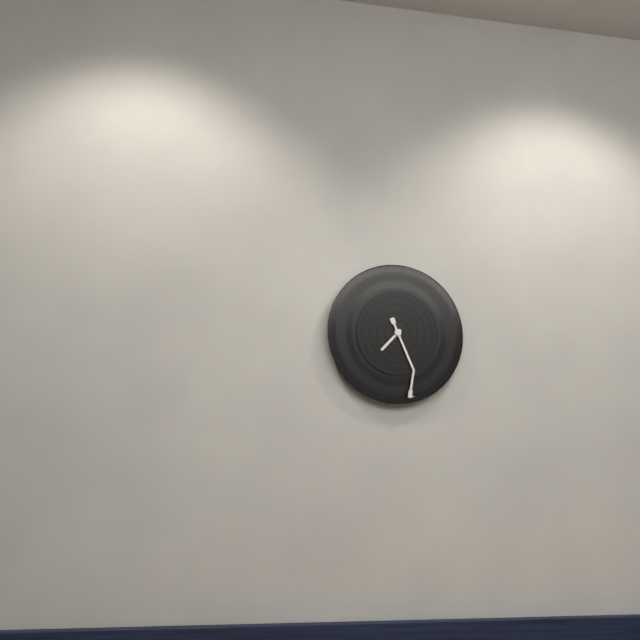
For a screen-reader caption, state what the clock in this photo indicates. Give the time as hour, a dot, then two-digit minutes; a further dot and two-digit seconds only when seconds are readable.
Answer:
7.26
